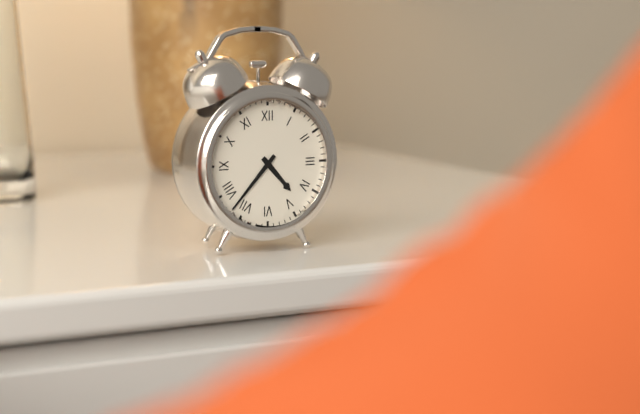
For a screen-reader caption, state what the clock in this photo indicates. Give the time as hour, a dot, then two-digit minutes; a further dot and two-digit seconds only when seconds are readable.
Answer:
4.37
